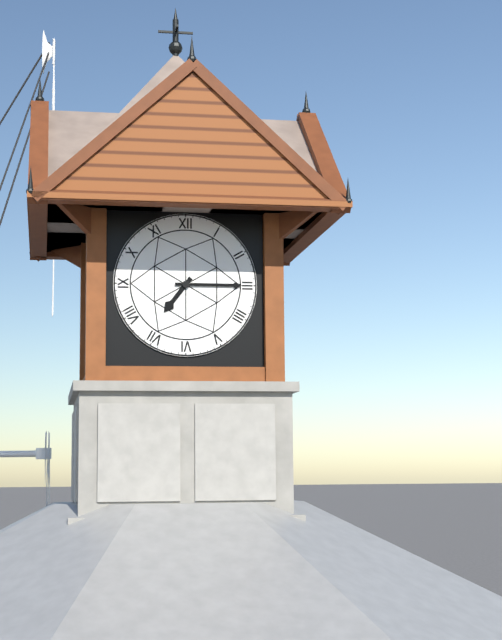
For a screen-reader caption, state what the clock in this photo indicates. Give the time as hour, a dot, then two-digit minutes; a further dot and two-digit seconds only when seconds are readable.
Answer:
7.15
